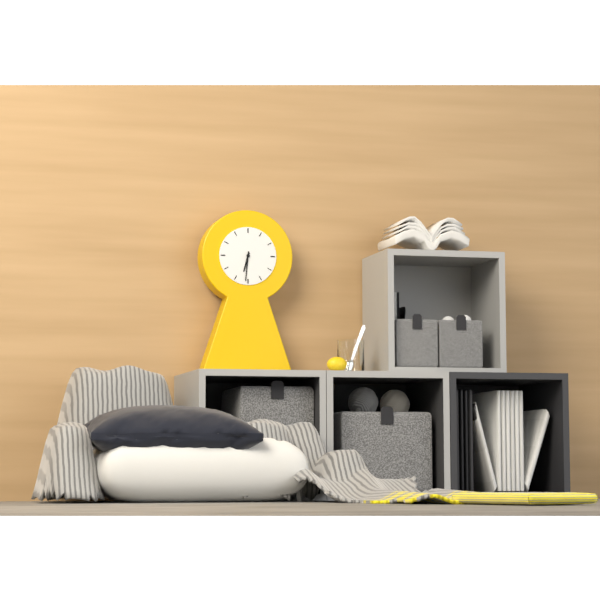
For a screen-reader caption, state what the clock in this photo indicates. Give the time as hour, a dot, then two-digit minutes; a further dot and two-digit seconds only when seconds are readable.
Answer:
6.31
